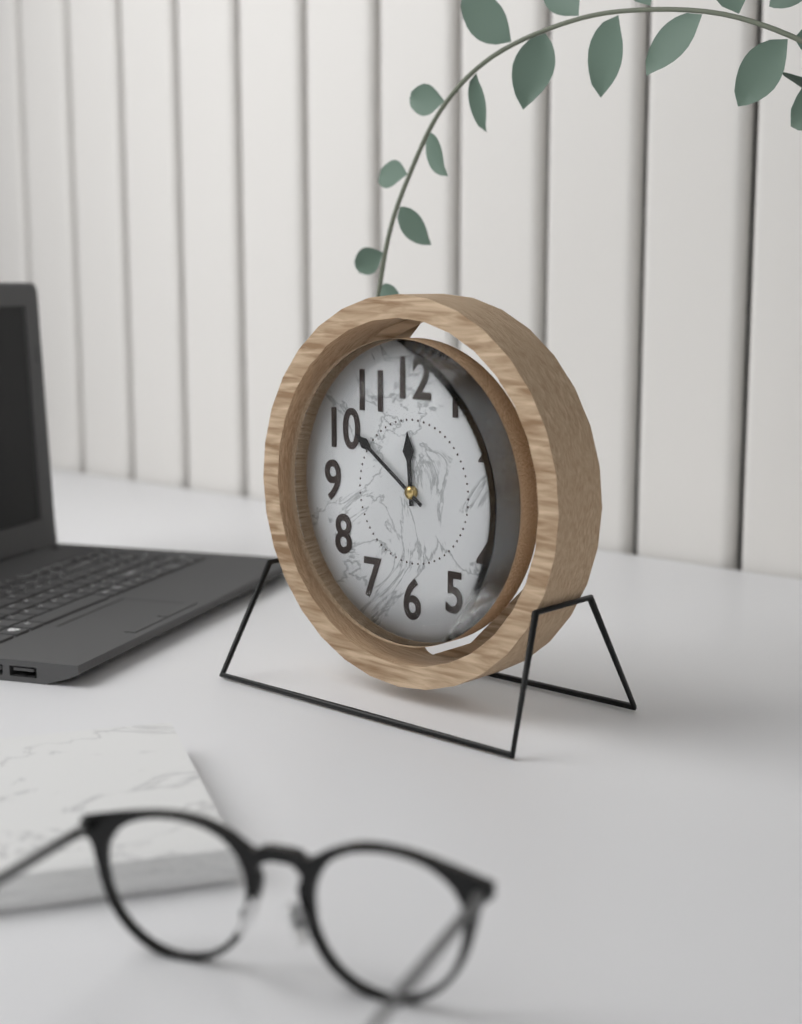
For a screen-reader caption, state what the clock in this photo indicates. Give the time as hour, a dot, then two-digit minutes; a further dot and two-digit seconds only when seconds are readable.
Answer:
11.51
